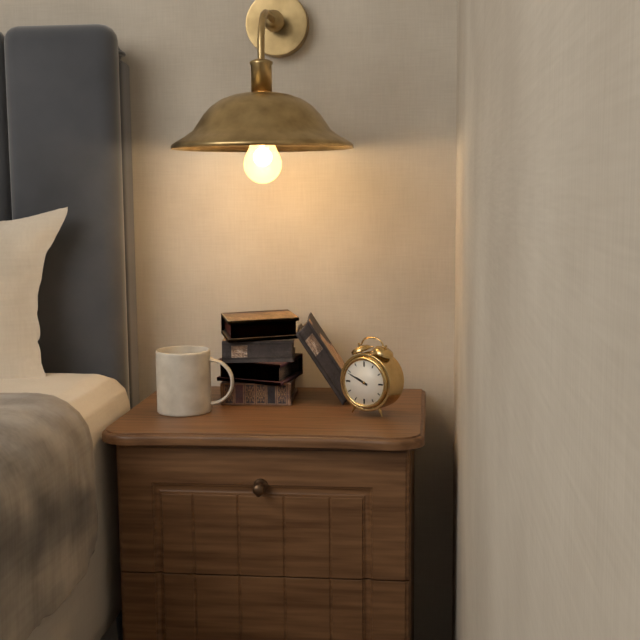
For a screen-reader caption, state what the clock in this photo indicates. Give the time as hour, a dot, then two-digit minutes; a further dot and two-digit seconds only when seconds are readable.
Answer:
9.49
